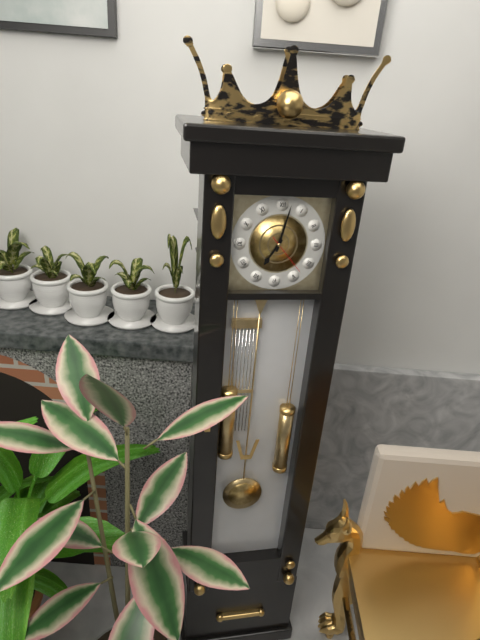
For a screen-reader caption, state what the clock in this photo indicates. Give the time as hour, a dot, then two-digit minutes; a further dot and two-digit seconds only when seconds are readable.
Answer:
7.02
